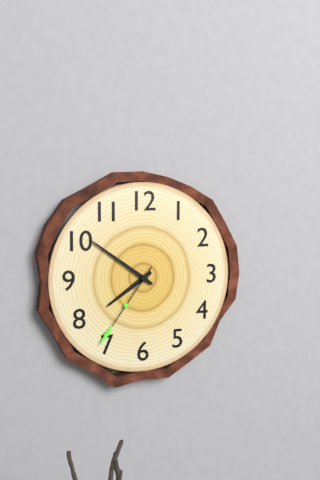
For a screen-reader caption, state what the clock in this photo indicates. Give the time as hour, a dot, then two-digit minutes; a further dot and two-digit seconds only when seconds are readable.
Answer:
7.51.36
